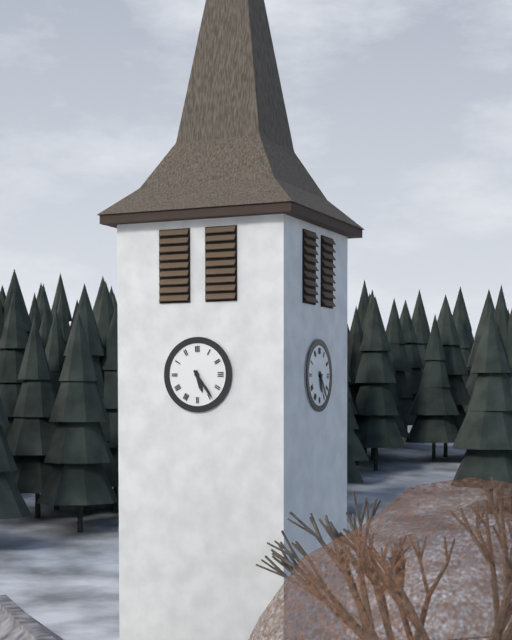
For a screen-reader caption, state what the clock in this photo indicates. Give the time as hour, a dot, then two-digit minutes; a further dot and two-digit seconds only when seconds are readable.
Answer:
5.24
